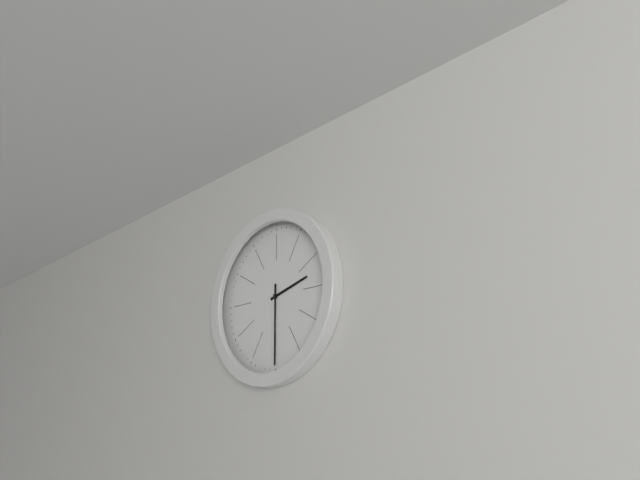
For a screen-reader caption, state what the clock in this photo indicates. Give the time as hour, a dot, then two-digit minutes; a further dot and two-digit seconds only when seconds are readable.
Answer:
2.30
